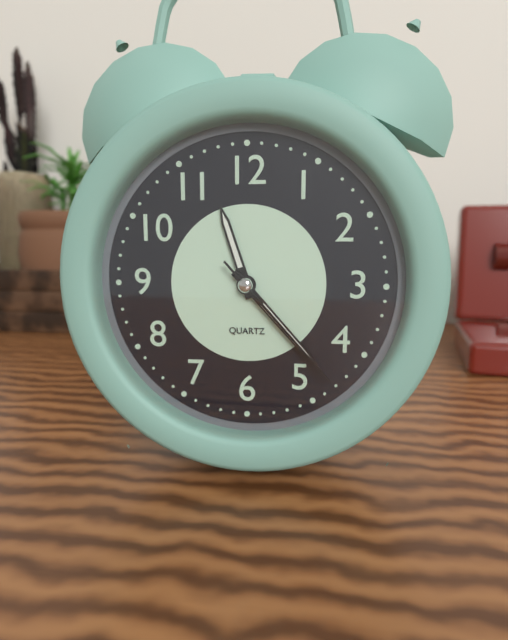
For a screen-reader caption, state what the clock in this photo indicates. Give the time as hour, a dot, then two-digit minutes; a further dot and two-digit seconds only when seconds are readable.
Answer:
11.23.23
